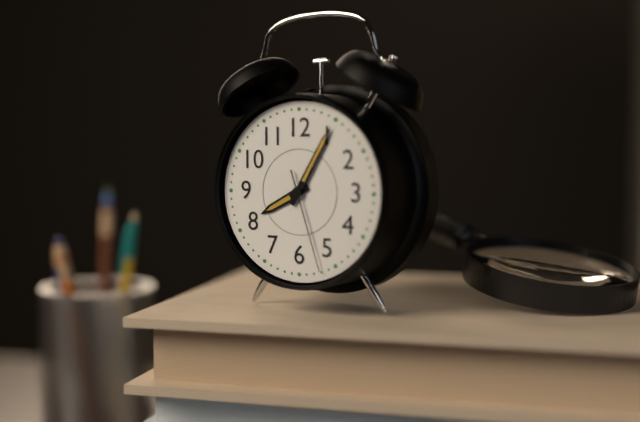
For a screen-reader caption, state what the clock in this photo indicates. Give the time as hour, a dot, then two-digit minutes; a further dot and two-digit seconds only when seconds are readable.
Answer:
8.05.27
